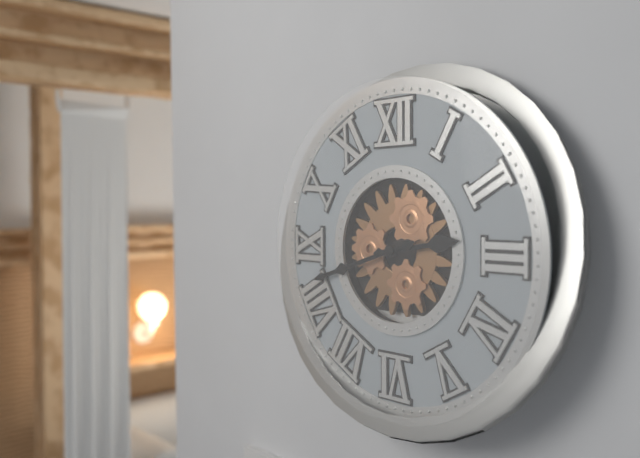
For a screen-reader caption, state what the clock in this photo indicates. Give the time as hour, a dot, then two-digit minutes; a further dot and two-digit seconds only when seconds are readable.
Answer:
2.42
